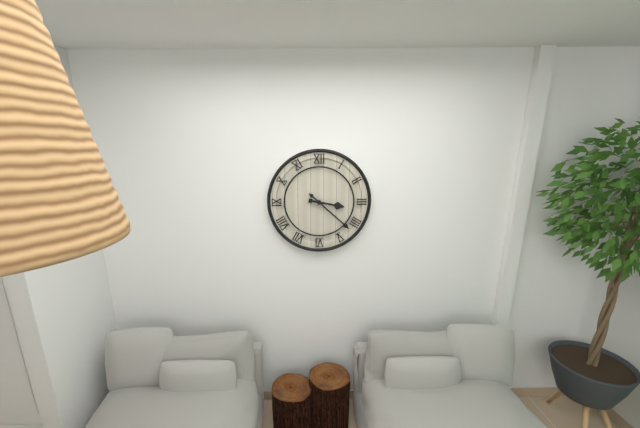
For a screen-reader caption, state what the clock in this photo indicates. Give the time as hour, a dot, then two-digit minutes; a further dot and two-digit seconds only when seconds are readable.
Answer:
3.22
